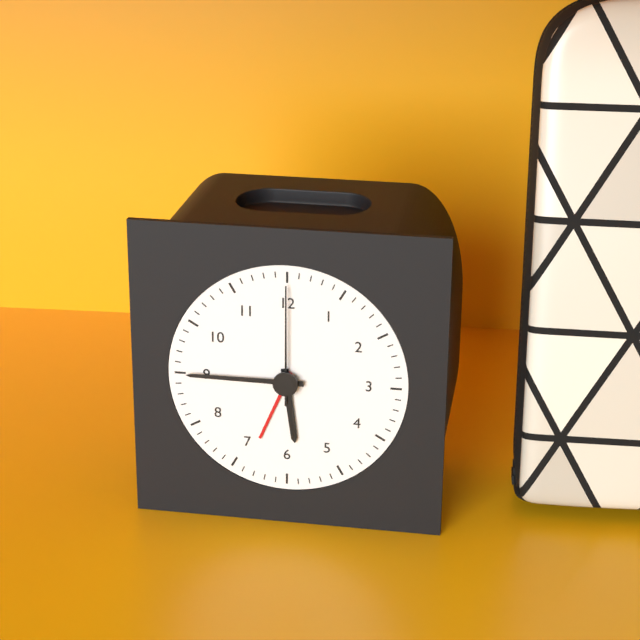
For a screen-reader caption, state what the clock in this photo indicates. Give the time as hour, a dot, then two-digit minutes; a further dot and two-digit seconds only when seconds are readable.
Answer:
5.45.00
